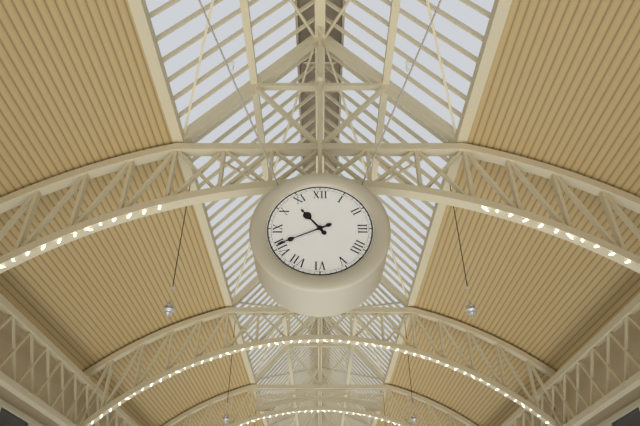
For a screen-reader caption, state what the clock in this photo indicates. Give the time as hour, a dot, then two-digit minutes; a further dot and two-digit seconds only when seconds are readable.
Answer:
10.41
